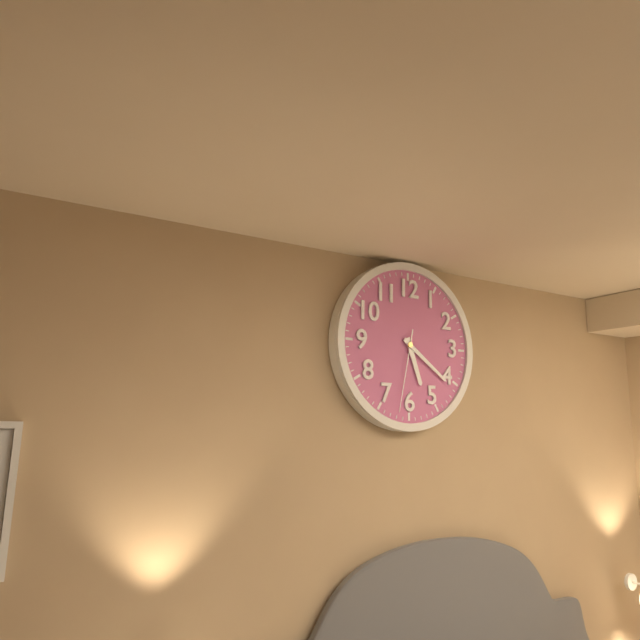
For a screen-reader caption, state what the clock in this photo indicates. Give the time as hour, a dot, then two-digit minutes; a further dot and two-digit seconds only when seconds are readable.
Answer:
5.21.32
